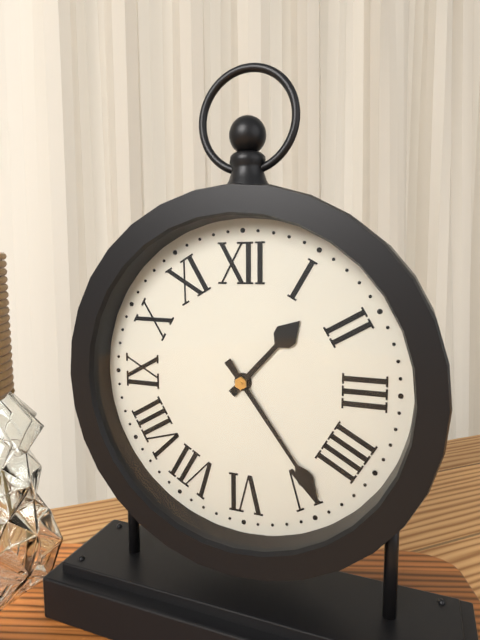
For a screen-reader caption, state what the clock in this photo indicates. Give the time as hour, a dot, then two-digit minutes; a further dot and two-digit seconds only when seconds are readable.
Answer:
1.24
